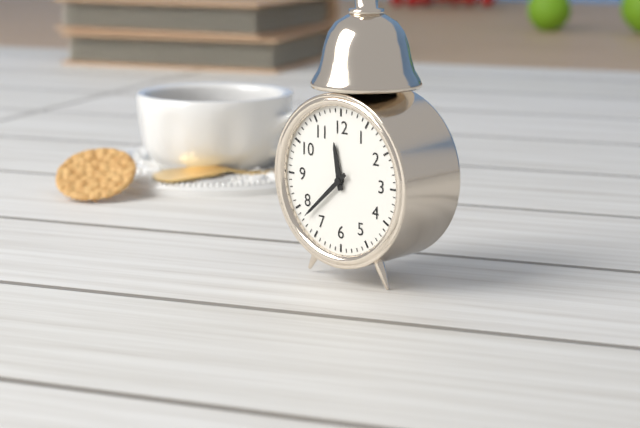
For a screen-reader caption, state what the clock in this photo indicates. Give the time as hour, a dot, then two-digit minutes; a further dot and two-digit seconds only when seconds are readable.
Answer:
11.38
